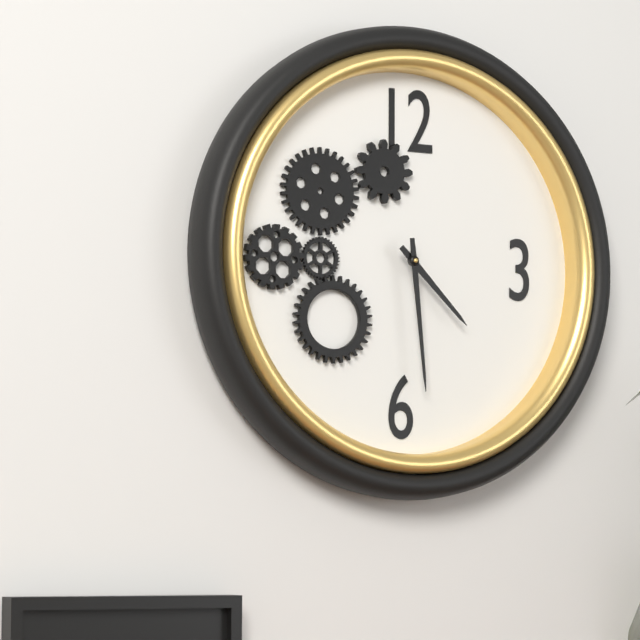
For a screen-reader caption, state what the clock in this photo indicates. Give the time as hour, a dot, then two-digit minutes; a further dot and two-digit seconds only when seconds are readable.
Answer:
4.29
